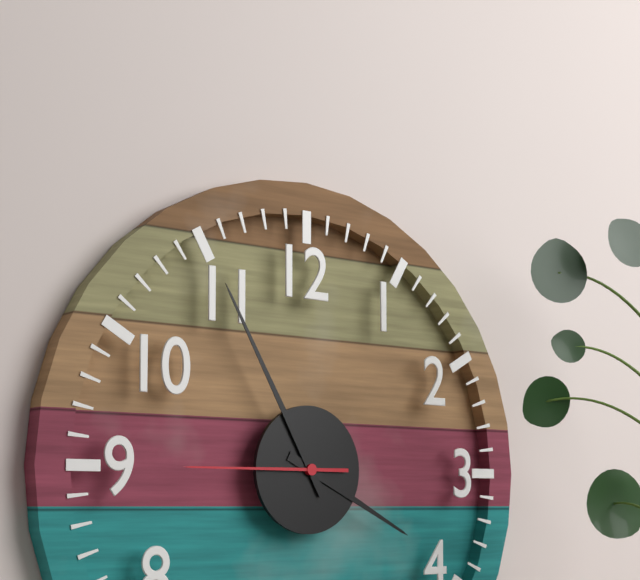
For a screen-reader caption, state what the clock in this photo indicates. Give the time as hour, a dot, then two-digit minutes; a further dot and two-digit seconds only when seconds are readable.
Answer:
3.55.45
